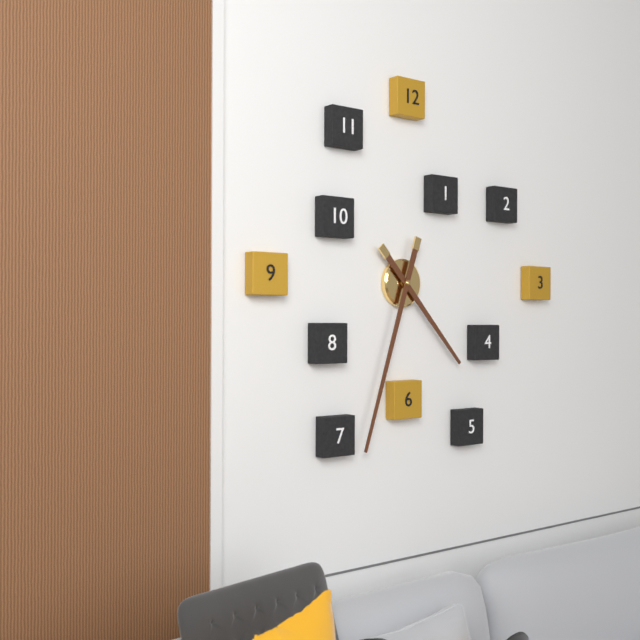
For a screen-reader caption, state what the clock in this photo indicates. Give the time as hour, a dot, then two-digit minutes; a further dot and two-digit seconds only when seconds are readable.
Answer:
4.33
